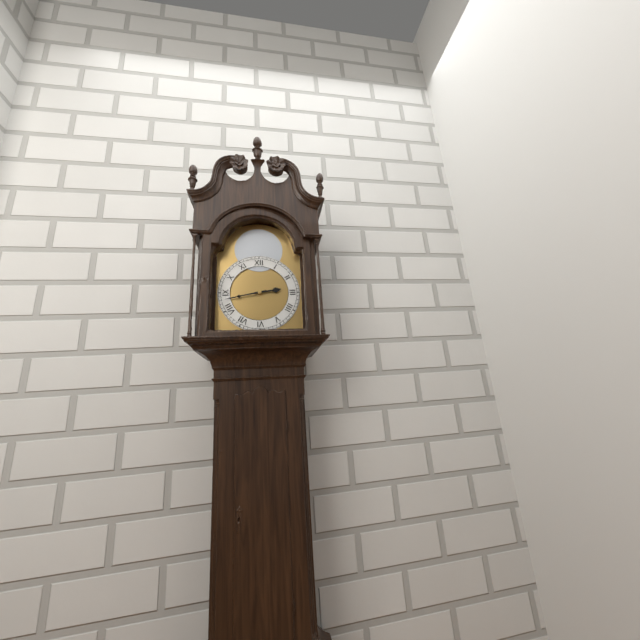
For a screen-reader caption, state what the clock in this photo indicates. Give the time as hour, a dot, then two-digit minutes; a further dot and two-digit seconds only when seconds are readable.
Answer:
2.43
